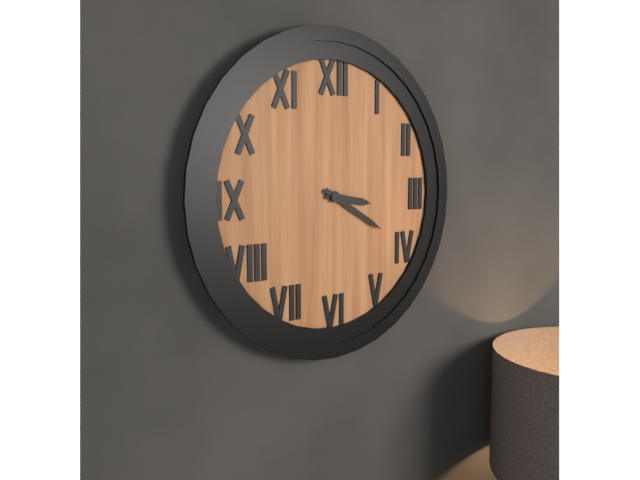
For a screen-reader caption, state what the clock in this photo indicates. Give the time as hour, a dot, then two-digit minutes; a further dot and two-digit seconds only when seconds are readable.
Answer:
3.20
